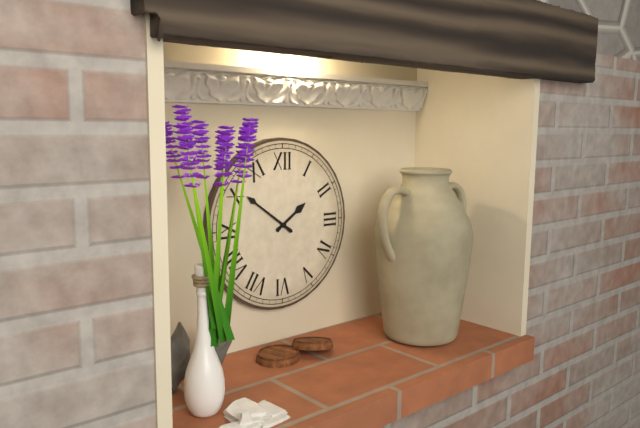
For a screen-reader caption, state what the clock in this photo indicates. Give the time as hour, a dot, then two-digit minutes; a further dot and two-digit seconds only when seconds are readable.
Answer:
1.51
